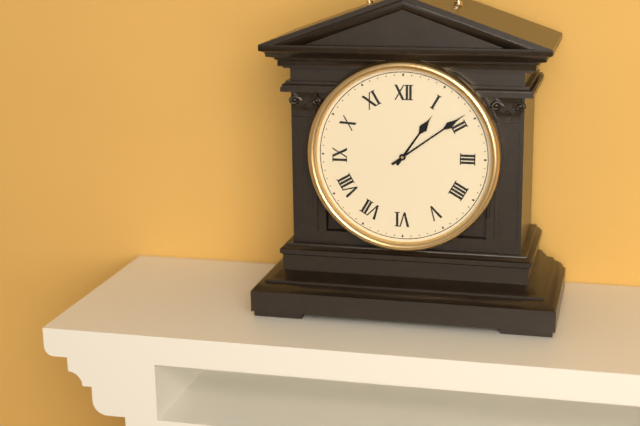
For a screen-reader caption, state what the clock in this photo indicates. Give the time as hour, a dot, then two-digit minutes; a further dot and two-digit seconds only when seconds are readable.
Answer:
1.09
